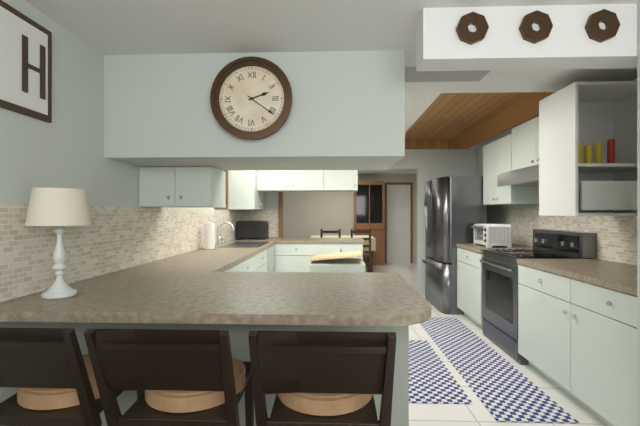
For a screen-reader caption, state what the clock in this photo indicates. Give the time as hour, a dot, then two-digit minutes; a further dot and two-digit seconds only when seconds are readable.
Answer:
2.21
